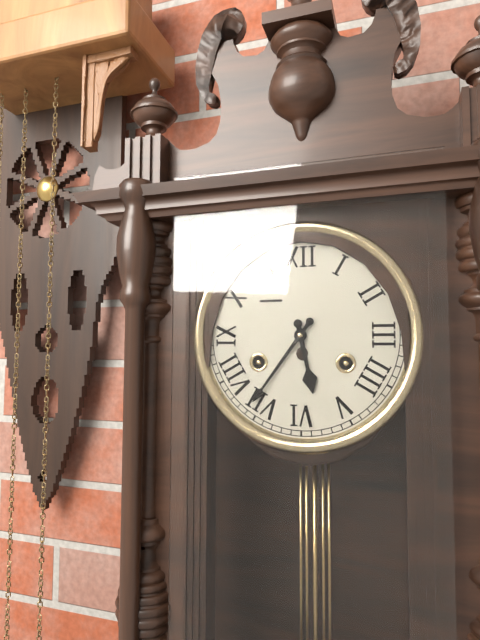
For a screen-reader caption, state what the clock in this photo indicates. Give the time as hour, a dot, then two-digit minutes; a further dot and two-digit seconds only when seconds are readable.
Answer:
5.36
